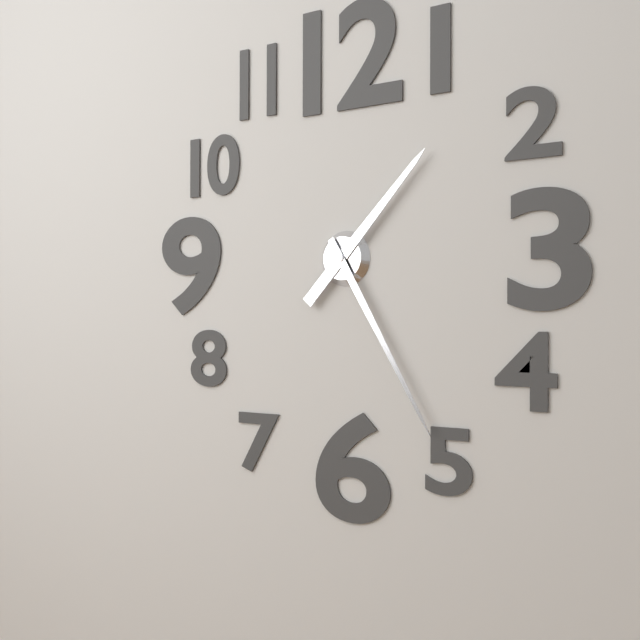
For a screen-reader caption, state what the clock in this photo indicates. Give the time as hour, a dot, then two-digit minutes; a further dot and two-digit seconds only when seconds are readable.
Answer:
1.25
